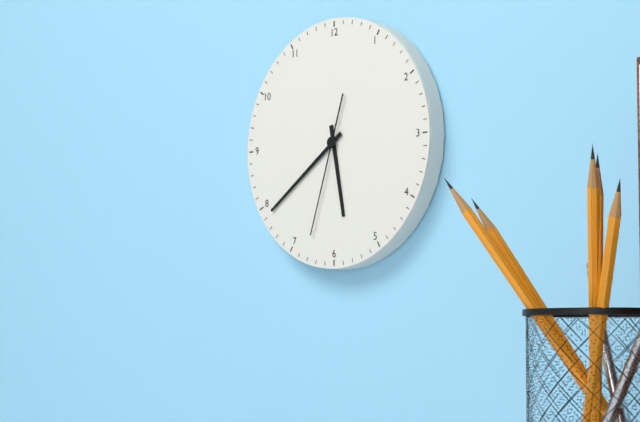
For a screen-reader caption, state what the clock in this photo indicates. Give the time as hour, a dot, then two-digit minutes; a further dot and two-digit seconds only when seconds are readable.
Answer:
5.39.33
